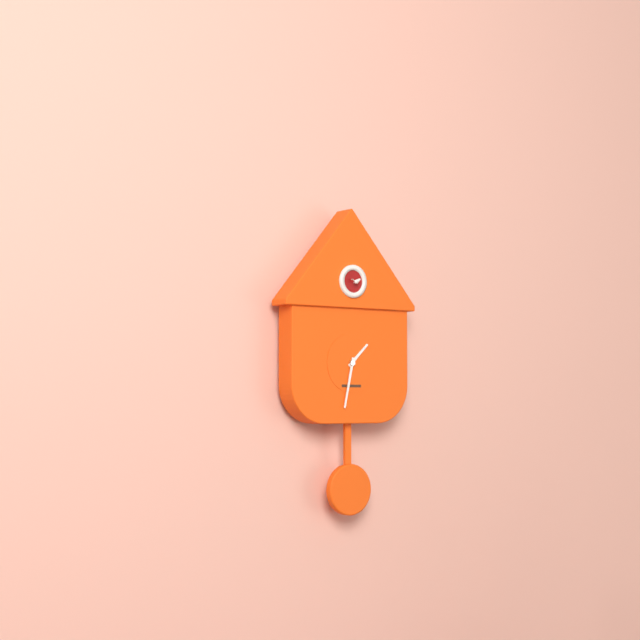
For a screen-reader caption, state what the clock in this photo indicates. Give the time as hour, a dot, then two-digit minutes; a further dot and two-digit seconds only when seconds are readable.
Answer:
1.32
